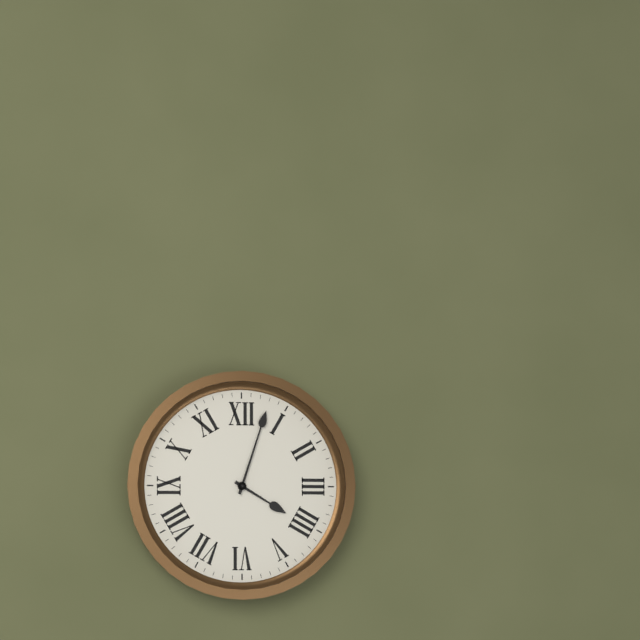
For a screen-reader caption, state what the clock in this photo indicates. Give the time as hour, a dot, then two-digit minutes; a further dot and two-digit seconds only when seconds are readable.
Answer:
4.03
